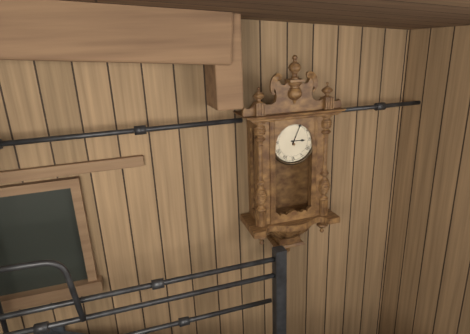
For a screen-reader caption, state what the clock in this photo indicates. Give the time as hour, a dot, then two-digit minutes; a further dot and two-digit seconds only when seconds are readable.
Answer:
3.04
